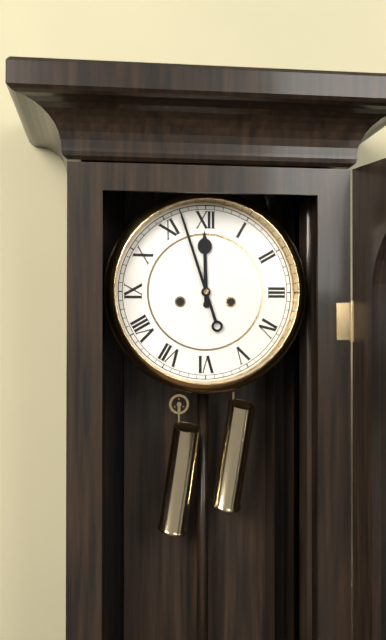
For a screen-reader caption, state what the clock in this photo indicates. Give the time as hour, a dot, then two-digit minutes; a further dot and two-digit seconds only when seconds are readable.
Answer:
11.57
